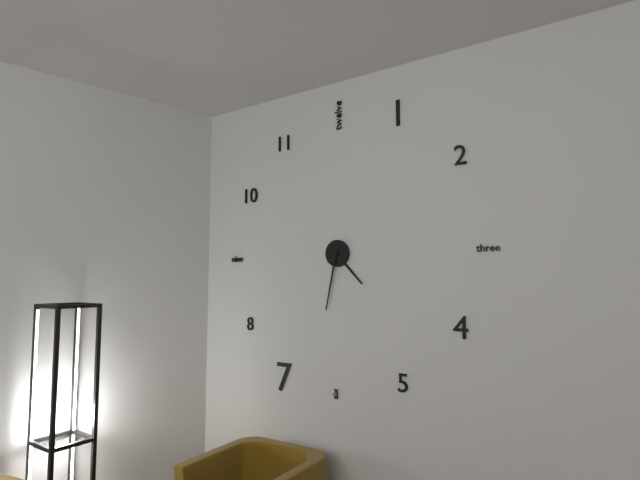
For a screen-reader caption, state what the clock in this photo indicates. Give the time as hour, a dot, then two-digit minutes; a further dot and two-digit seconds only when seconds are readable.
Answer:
4.32
